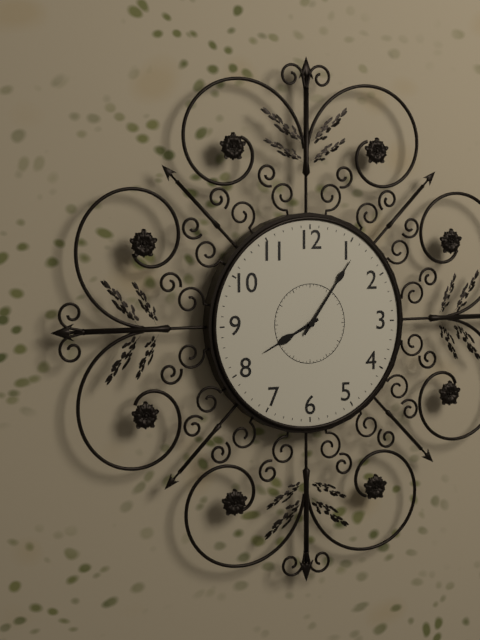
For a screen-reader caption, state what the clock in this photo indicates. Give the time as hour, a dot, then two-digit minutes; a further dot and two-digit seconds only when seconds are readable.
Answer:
8.06
